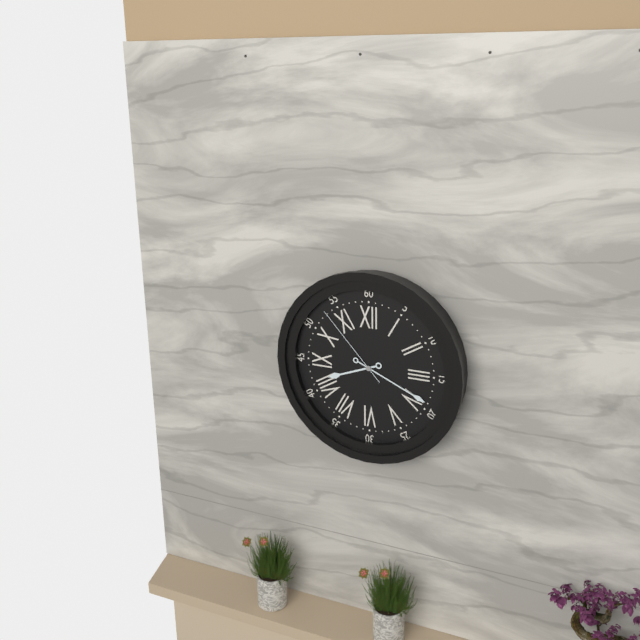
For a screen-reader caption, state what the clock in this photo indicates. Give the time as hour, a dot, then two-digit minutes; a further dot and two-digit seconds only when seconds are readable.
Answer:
8.19.53
